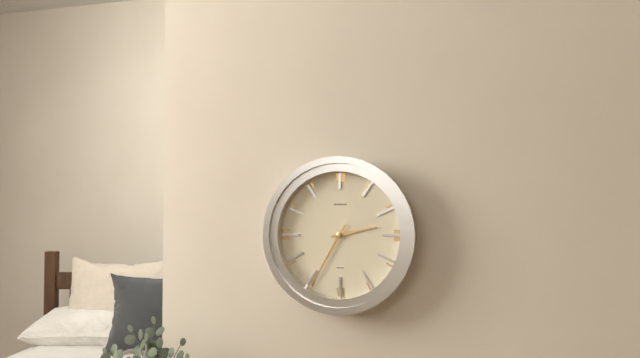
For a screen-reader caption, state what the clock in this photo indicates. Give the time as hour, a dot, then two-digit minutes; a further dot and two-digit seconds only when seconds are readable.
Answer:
2.35
